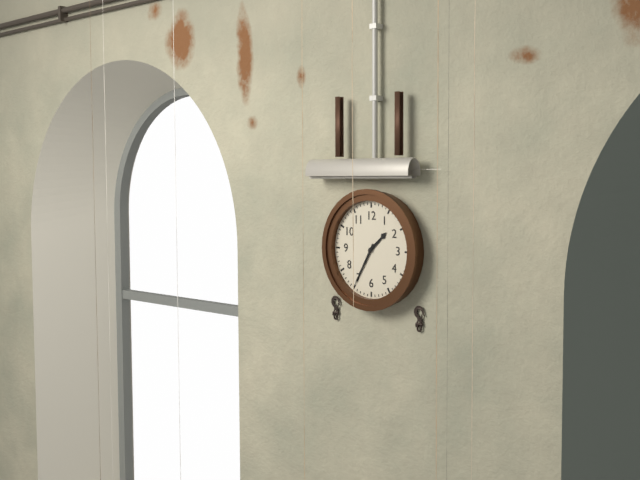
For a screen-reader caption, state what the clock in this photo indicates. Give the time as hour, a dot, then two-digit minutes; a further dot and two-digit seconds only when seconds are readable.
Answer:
1.35
